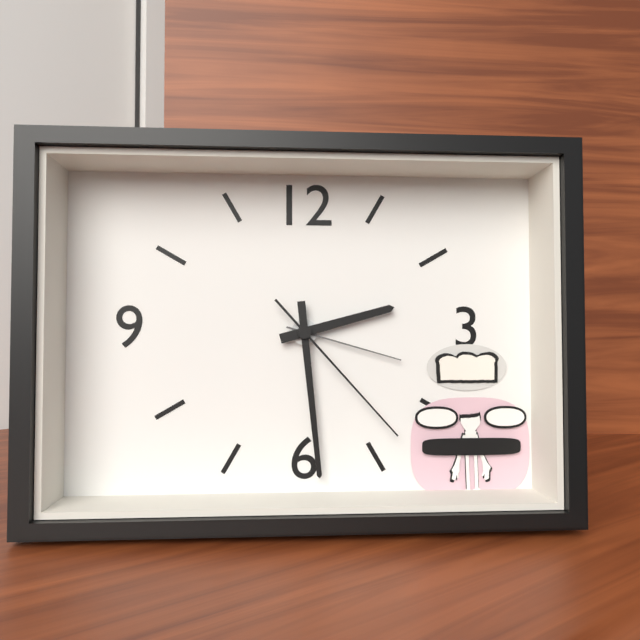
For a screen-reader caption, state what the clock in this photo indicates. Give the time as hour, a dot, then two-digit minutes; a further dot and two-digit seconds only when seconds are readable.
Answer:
2.29.23
